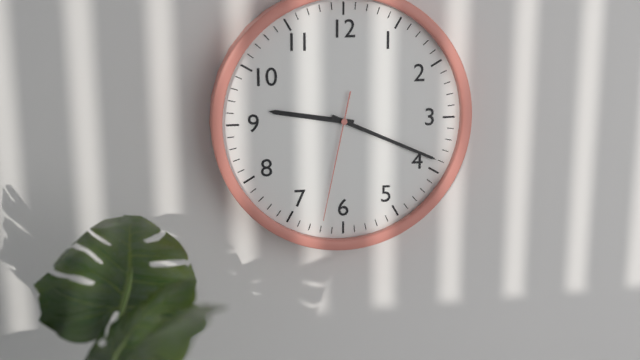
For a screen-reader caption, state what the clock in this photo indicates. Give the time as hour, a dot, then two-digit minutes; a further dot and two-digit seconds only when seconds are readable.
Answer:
9.19.32
